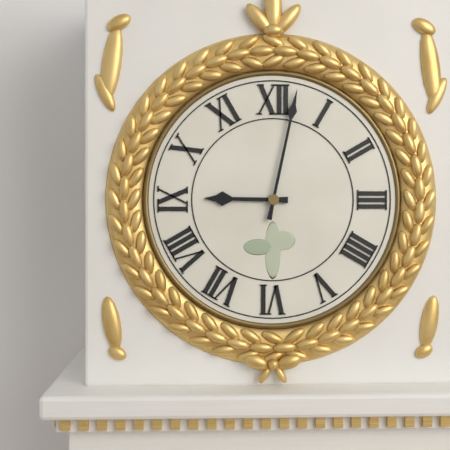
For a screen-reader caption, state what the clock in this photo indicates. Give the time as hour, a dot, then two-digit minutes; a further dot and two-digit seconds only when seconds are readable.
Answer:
9.02
